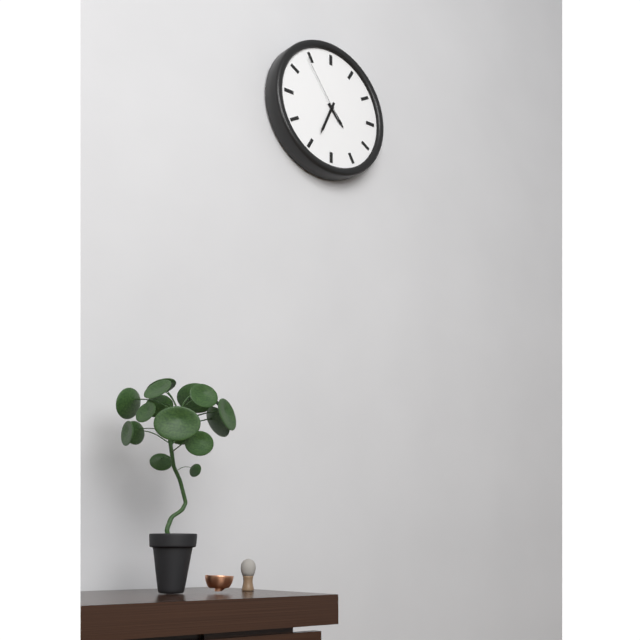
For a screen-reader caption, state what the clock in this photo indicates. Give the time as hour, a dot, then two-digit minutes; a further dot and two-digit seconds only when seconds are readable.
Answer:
4.34.54
